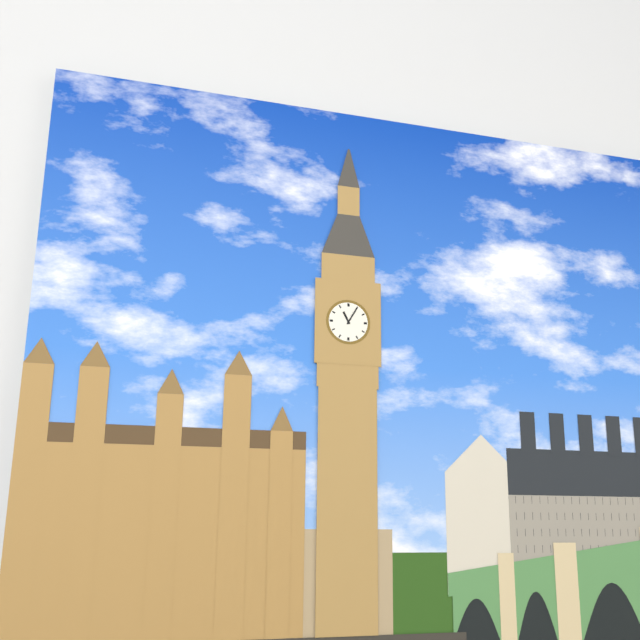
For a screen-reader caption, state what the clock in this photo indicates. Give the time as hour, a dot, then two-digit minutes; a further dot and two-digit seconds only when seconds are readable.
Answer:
11.05
